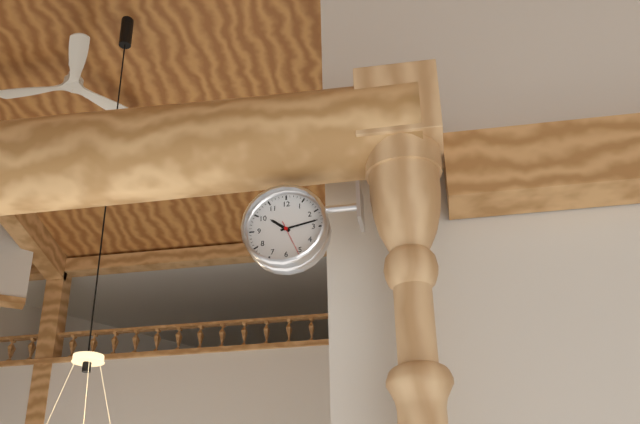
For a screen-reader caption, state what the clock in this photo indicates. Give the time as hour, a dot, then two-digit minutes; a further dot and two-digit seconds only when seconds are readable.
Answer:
10.13
